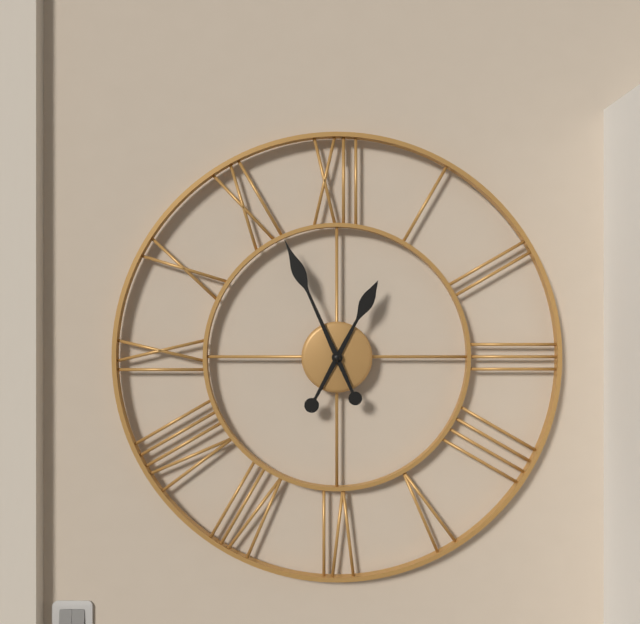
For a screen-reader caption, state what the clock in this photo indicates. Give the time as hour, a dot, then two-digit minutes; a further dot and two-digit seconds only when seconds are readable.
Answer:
12.56
